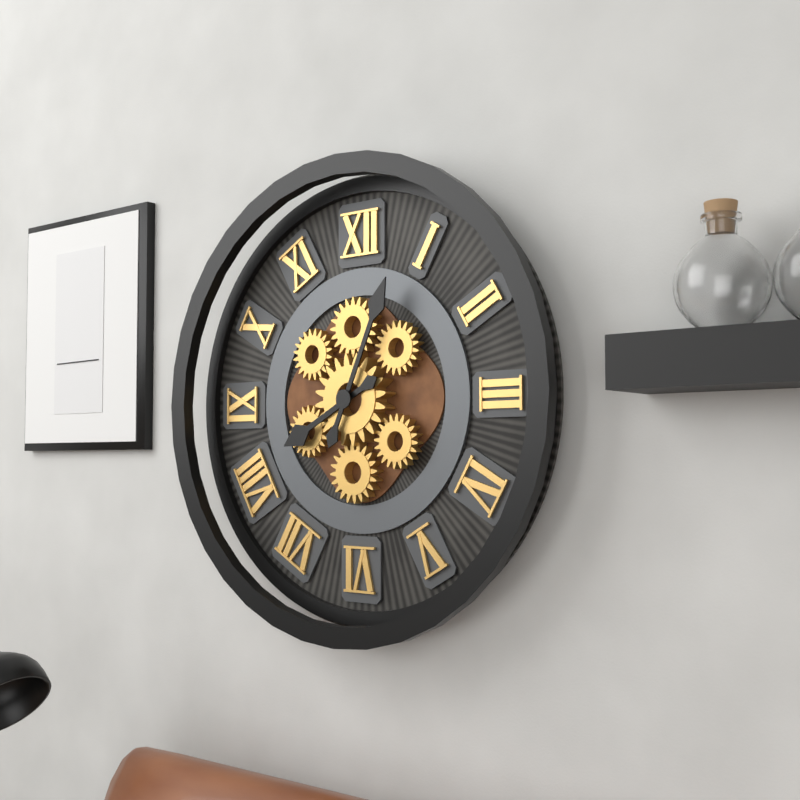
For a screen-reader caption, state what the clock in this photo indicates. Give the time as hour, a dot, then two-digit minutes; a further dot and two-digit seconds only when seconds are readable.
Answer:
8.04
